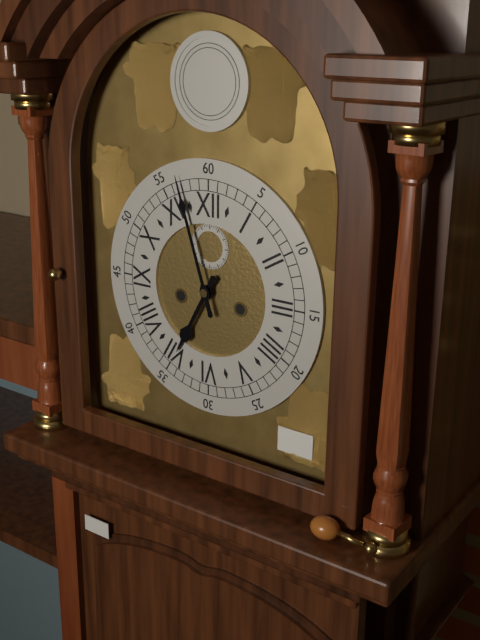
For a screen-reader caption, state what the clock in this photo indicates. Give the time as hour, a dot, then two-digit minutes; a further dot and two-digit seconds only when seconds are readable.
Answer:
6.57
